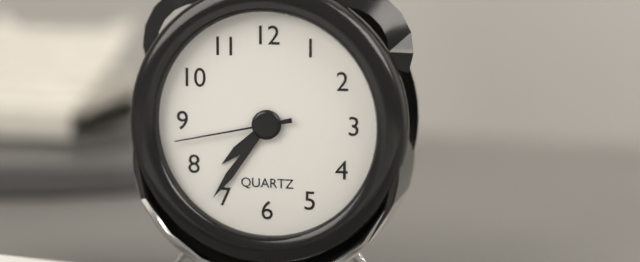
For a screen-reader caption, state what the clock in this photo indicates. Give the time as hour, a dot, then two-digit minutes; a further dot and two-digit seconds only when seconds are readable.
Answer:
7.36.43
